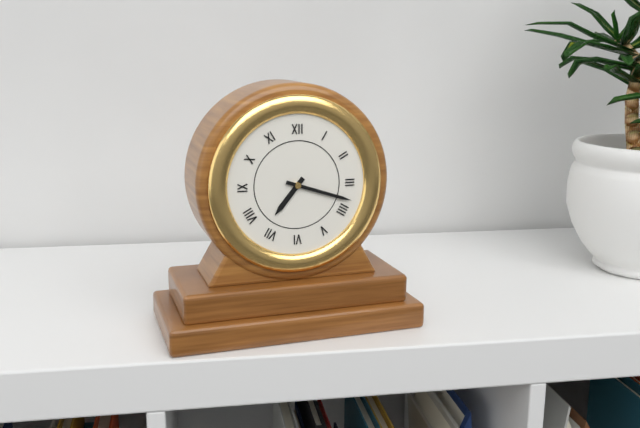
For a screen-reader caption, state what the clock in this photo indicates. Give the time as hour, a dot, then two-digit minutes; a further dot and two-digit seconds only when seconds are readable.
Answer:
7.18
